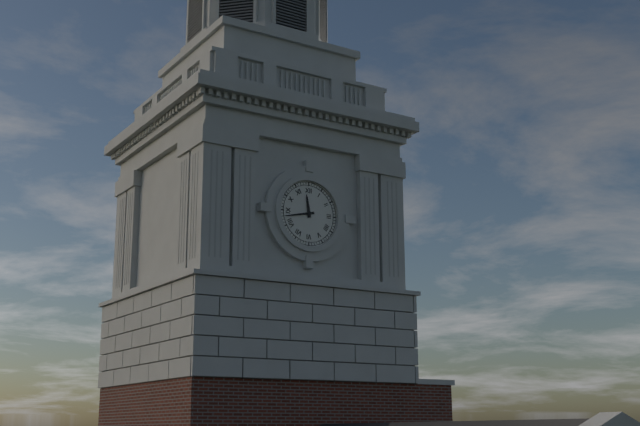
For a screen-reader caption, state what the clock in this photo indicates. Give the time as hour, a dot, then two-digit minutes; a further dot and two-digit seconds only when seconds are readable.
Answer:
11.43
